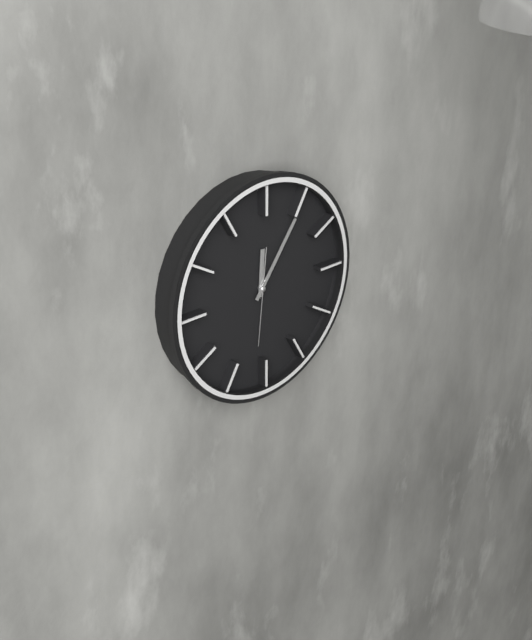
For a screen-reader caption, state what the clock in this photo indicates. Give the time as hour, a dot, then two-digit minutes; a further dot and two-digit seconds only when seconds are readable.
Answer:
12.06.31
